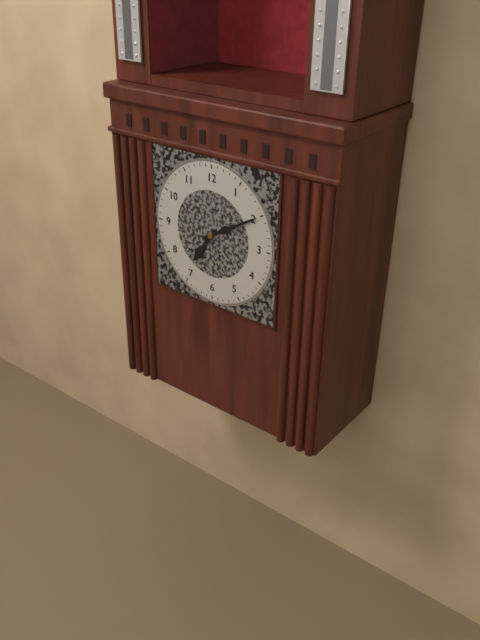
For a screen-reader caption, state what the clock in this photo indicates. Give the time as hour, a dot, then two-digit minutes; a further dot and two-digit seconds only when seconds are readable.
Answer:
7.10
